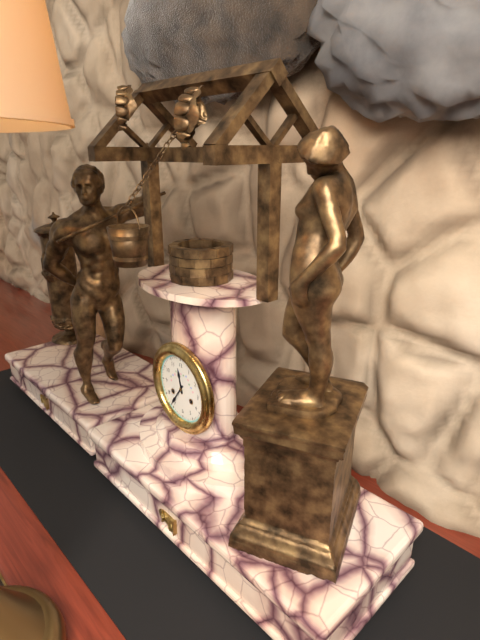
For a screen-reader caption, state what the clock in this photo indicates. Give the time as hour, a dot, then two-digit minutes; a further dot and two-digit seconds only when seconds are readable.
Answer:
11.36
